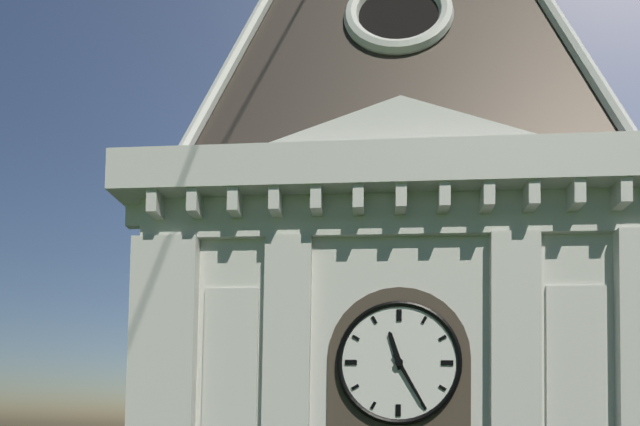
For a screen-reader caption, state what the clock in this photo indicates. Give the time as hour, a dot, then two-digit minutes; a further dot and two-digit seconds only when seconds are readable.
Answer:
11.25
